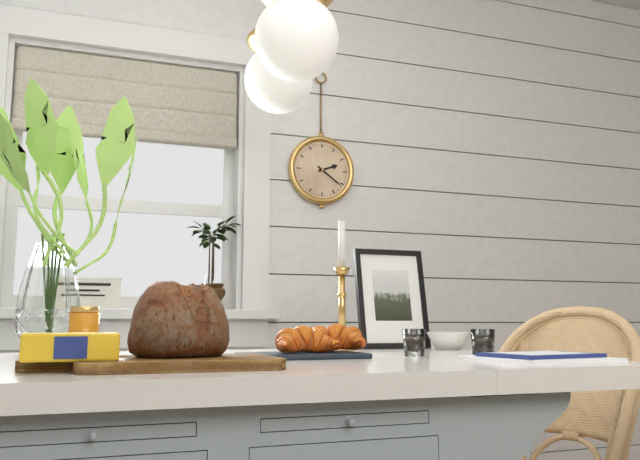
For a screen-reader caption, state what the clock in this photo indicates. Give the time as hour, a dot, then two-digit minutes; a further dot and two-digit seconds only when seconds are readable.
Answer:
2.21
